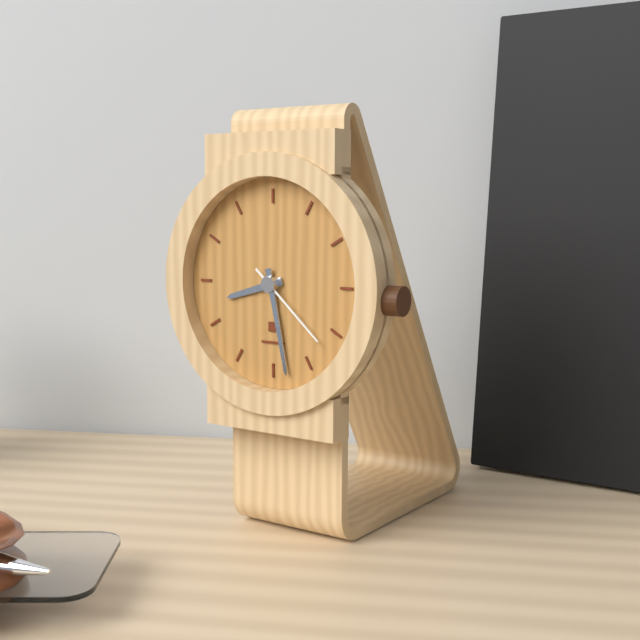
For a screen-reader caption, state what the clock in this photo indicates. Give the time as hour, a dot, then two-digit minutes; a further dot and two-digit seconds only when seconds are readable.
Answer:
8.28.22
